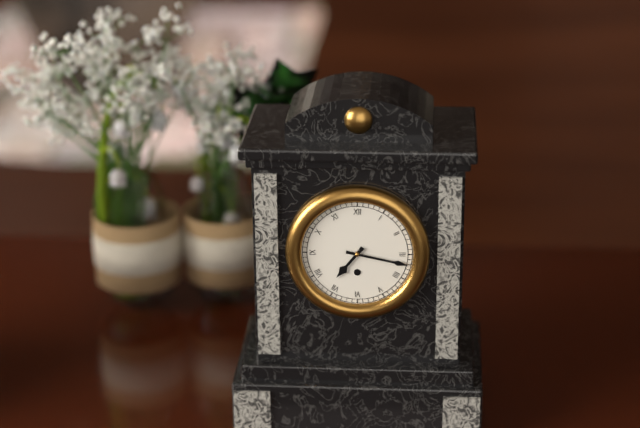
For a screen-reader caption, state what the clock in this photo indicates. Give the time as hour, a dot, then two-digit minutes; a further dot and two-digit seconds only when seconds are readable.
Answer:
7.17
